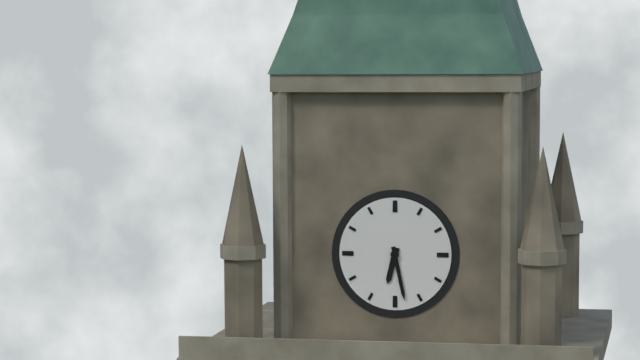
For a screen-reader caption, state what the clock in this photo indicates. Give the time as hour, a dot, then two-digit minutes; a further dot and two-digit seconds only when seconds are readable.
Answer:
6.28
